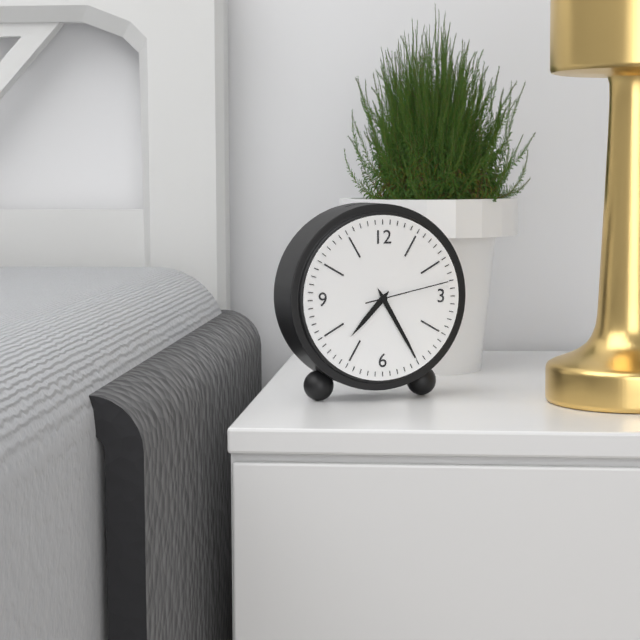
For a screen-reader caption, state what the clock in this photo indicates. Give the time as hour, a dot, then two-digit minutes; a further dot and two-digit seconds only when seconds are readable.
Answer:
7.25.13
